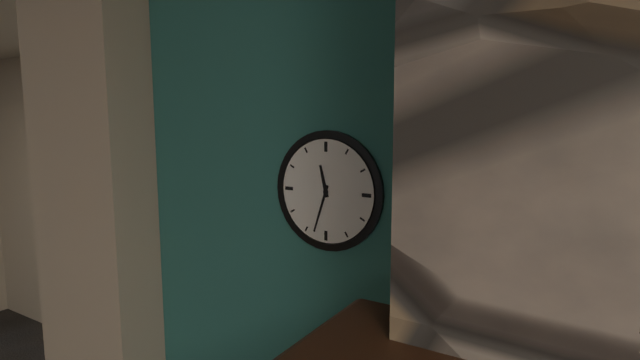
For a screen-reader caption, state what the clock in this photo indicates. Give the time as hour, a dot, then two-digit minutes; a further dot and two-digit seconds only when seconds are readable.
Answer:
11.33
